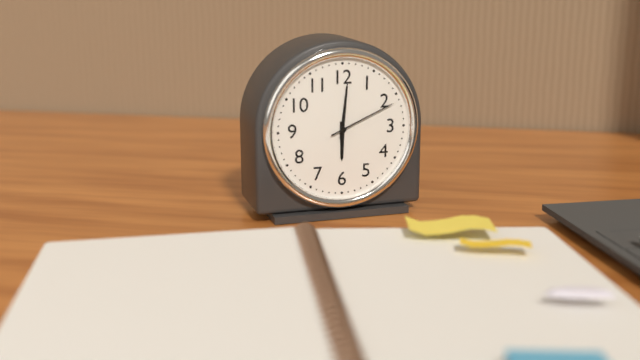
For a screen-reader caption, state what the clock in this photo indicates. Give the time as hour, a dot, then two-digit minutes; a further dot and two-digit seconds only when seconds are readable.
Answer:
6.01.11
